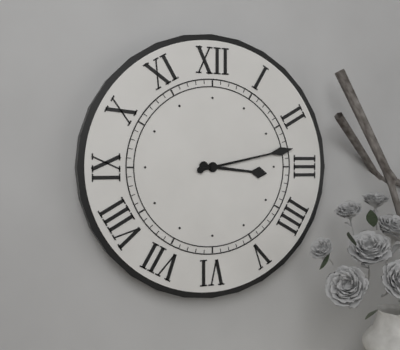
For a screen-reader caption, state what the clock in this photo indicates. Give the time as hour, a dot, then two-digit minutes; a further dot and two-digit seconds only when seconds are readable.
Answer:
3.13
